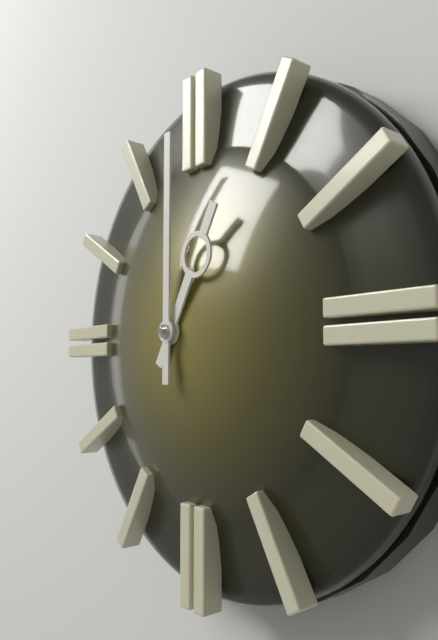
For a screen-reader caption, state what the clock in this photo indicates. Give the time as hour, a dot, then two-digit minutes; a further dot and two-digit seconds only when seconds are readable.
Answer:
1.00
